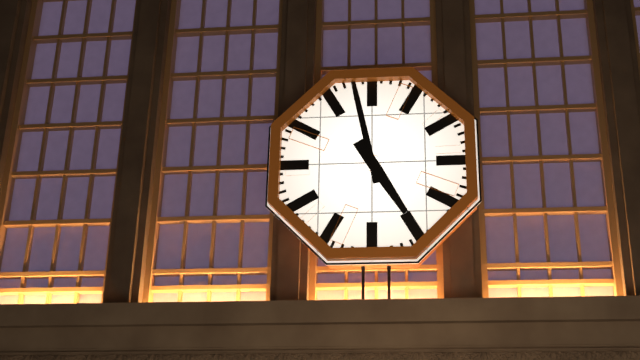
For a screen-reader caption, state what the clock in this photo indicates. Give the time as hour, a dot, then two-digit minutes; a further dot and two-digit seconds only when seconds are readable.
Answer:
4.58
